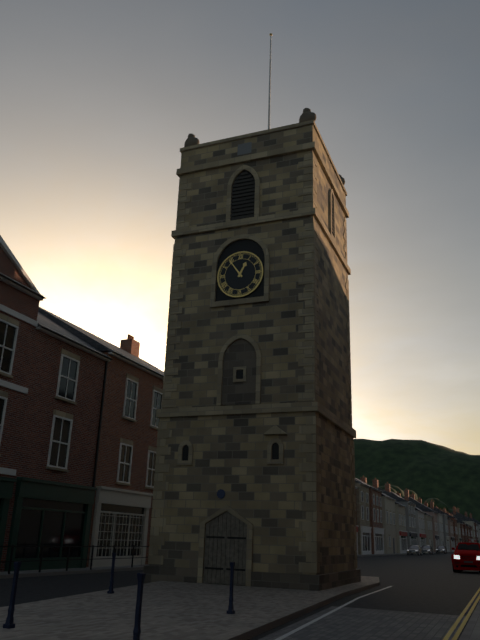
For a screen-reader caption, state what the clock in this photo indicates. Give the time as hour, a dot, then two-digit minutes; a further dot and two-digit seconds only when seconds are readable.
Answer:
12.54
